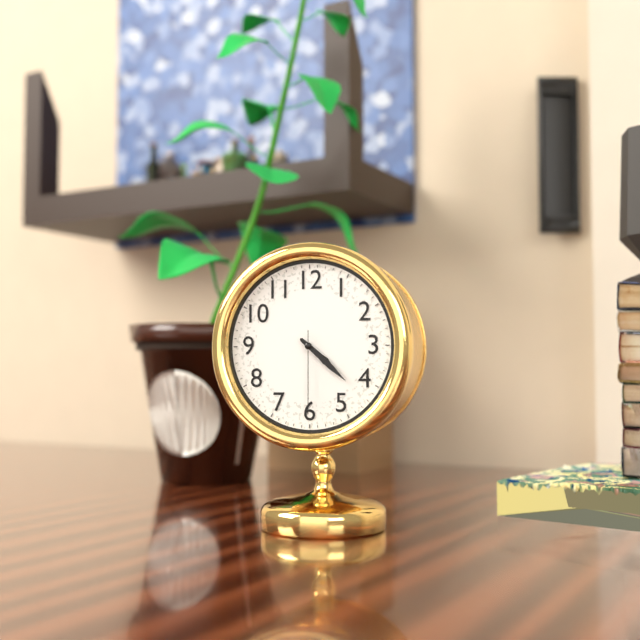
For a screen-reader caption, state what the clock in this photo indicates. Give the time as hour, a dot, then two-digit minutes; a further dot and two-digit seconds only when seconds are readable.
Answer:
4.22.30
